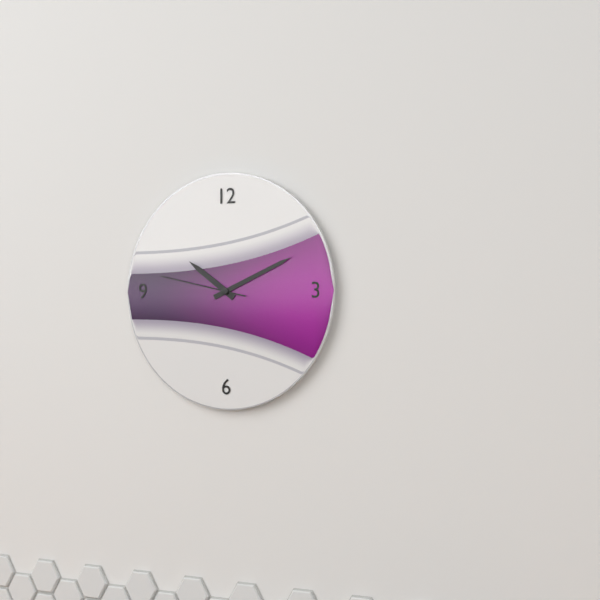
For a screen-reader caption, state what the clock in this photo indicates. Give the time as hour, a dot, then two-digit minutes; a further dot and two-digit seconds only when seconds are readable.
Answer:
10.11.47
